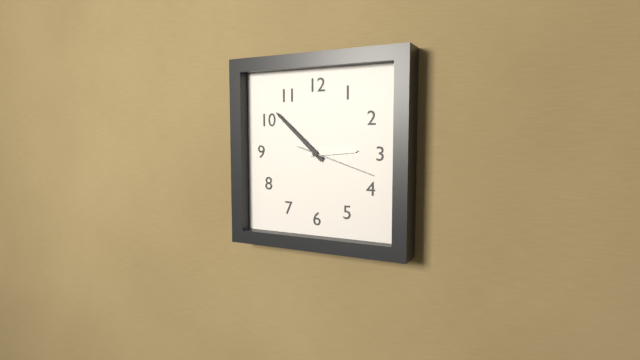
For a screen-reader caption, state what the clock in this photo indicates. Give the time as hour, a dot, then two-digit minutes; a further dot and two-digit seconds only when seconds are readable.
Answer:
2.52.18
